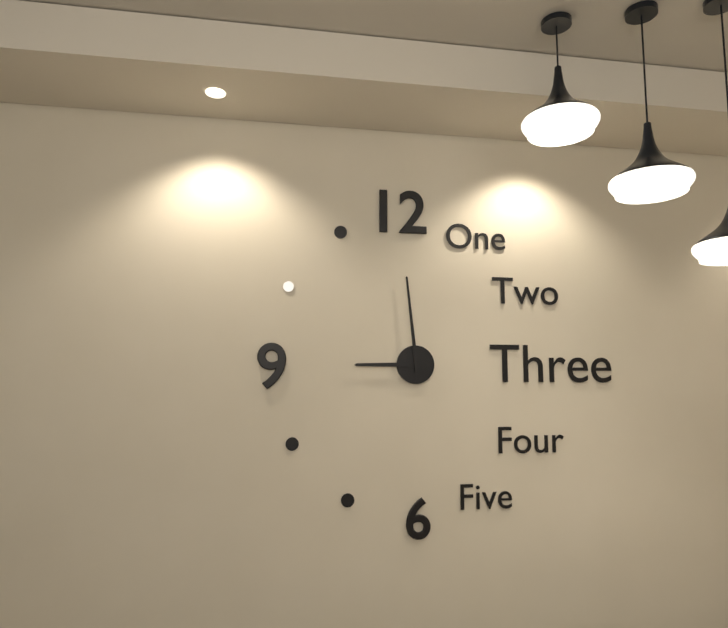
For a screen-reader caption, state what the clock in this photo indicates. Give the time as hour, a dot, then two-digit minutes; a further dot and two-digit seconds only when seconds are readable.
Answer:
8.59
